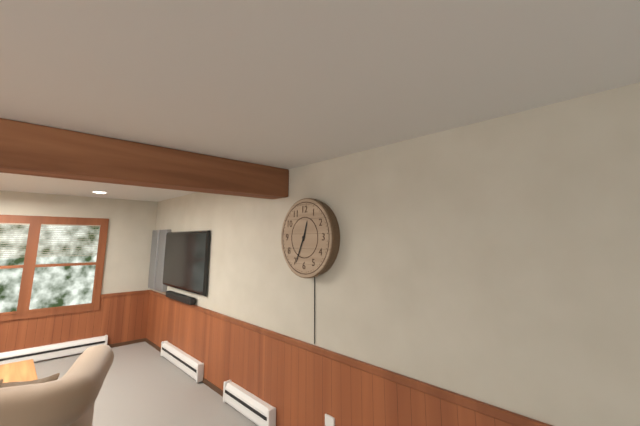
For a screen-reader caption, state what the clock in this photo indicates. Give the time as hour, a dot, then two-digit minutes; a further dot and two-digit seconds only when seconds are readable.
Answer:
12.34
